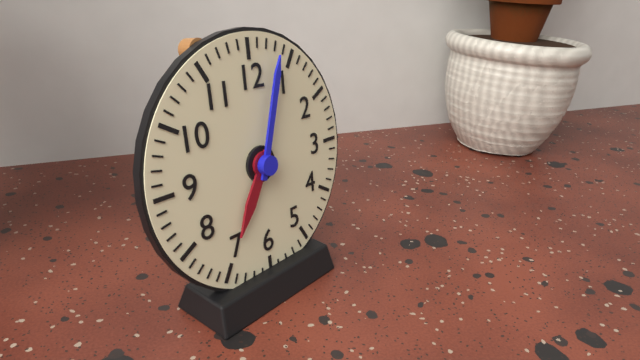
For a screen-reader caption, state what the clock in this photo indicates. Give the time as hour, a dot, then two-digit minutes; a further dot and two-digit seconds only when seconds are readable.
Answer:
7.03
